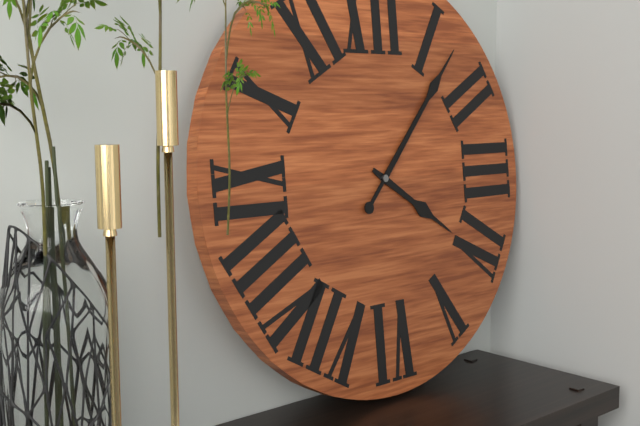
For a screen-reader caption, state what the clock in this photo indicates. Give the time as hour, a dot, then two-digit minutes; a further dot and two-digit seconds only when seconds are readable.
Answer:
4.07
